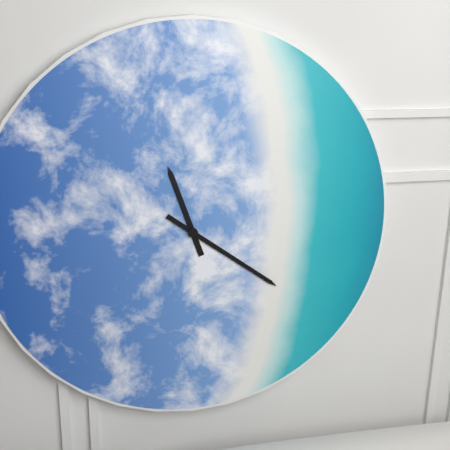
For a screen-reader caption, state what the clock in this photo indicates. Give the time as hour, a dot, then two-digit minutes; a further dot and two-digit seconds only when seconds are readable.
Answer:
11.21
